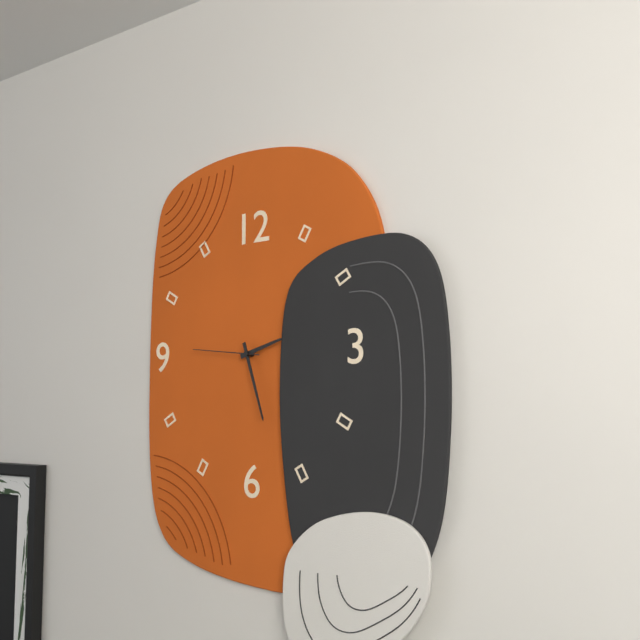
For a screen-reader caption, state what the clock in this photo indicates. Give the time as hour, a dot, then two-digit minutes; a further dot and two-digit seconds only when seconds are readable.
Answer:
2.27.46
